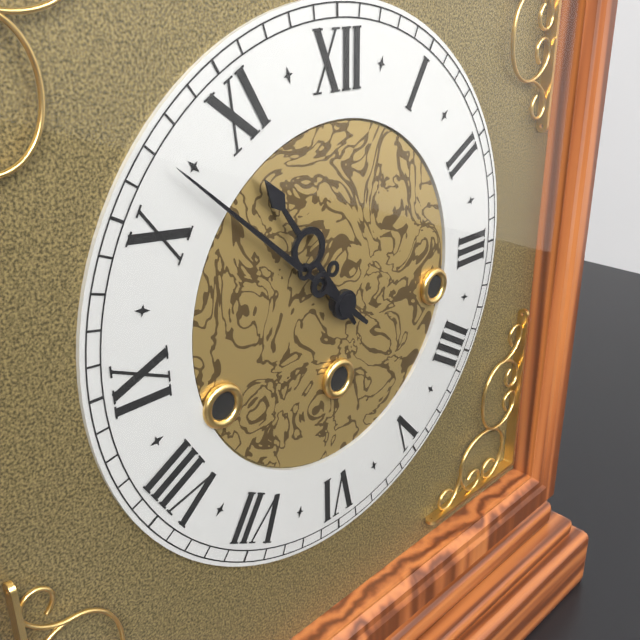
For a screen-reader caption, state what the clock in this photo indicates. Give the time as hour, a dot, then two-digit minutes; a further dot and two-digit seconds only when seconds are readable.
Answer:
10.52
